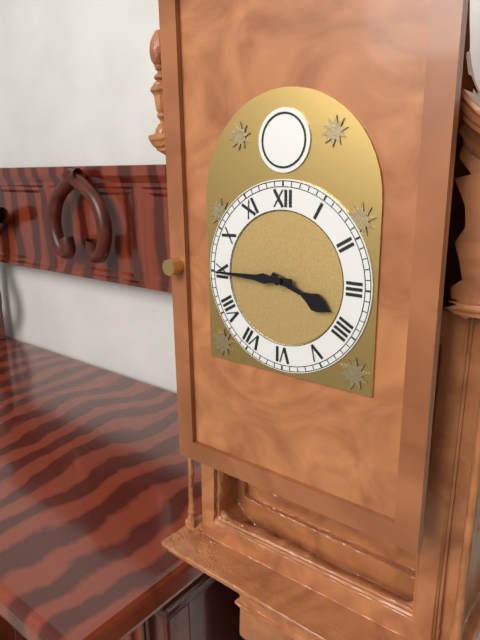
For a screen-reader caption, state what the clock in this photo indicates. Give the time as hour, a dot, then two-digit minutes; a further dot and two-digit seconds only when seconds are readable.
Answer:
3.45
